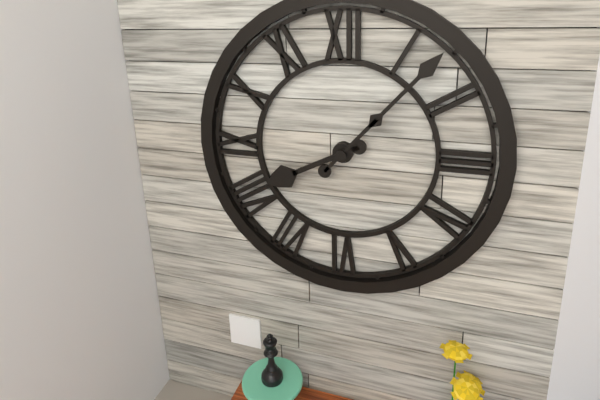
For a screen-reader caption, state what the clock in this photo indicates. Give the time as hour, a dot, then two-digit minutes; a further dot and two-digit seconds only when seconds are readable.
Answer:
8.07
